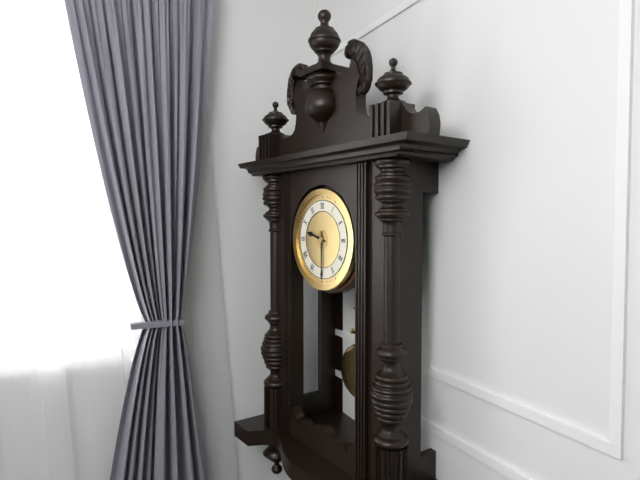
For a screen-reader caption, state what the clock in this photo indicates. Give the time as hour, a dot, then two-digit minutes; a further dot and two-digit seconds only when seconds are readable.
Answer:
9.30
